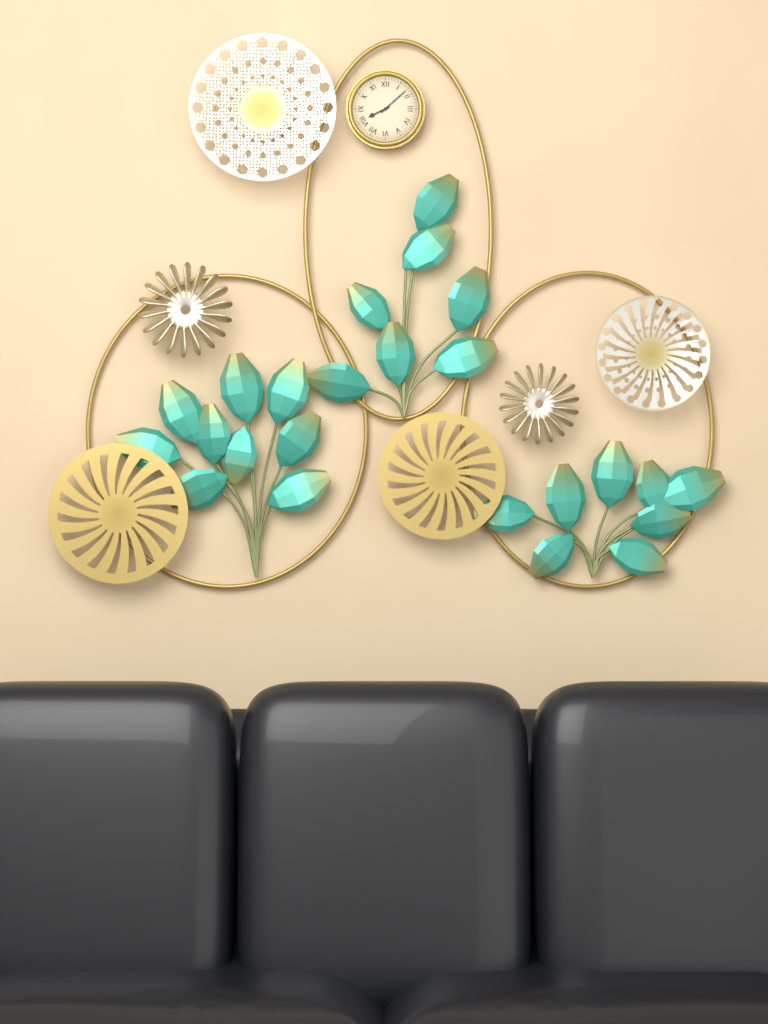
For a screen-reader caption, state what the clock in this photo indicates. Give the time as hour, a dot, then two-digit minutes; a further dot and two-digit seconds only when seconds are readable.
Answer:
8.08
